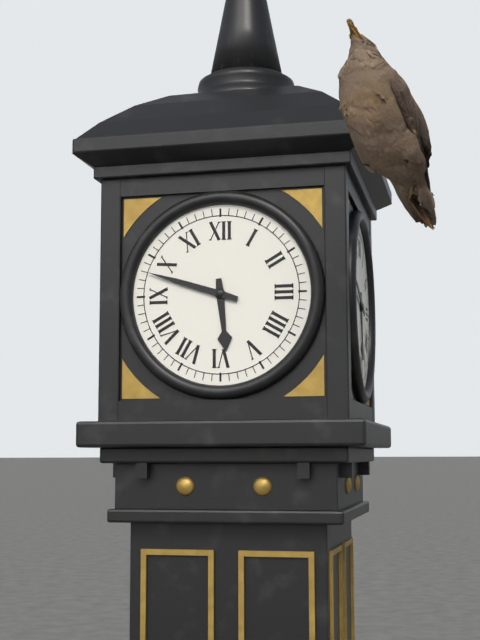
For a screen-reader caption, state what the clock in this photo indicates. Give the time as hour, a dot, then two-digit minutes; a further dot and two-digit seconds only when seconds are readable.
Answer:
5.48
